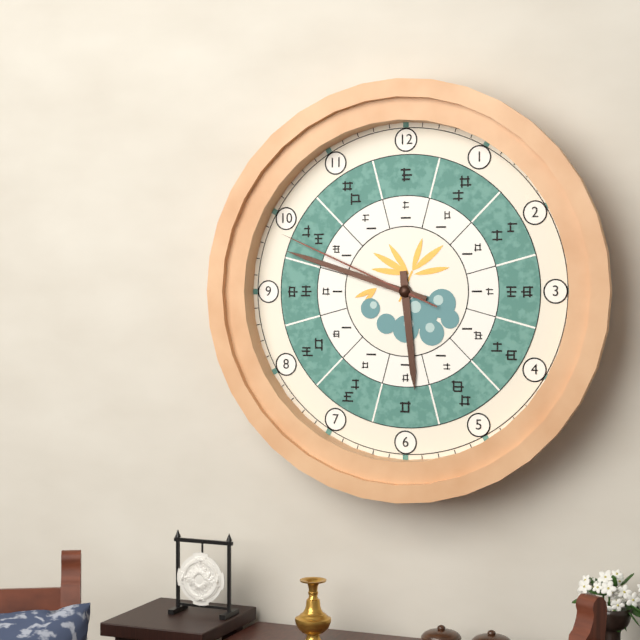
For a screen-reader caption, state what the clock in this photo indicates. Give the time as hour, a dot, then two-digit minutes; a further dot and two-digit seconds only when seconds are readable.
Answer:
5.48.49
